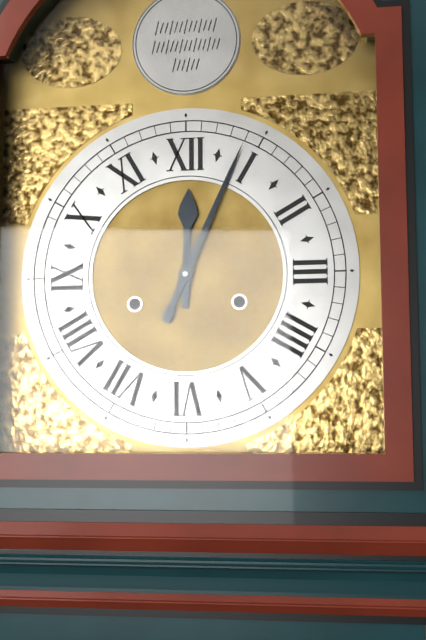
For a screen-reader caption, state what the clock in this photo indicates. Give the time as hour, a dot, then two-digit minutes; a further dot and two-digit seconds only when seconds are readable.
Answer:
12.04
